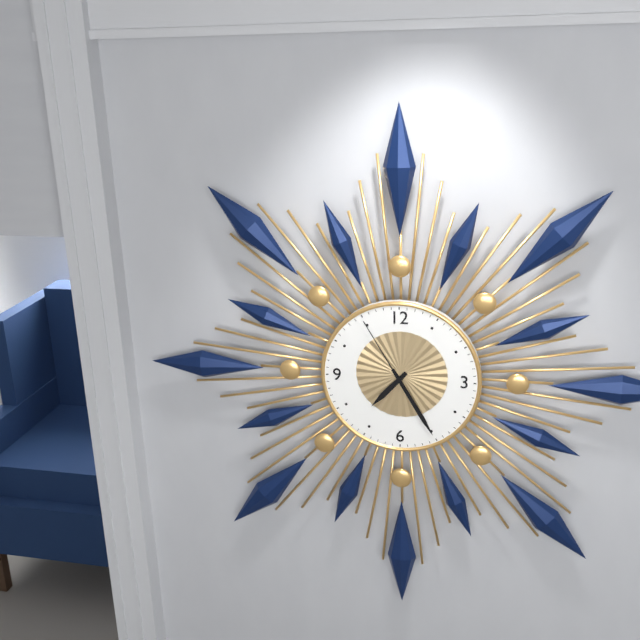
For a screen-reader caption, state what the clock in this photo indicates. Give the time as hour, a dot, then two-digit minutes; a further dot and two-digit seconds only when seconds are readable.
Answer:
7.25.55
